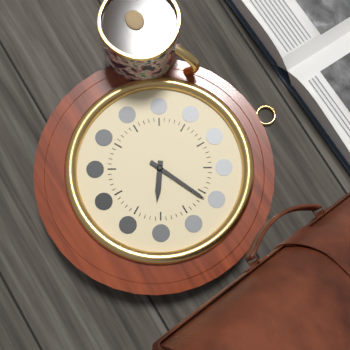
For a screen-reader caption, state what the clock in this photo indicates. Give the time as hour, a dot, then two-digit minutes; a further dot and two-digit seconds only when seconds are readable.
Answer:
4.11
